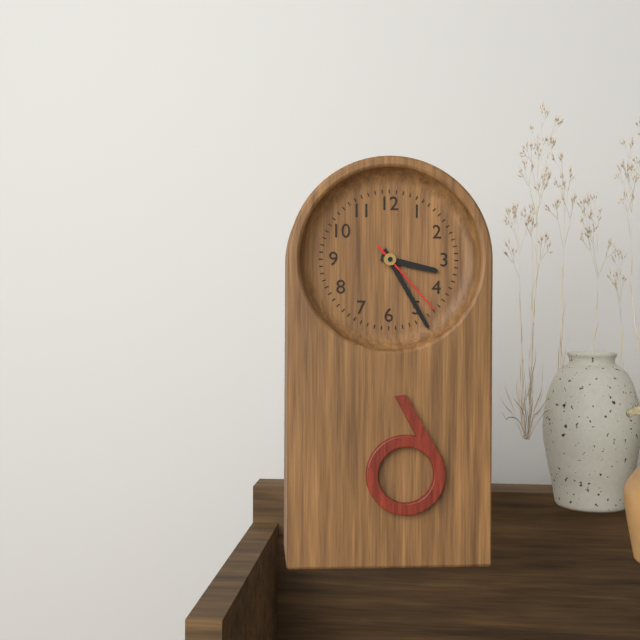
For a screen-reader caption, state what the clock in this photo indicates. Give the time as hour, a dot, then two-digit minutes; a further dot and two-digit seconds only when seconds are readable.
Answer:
3.25.23
